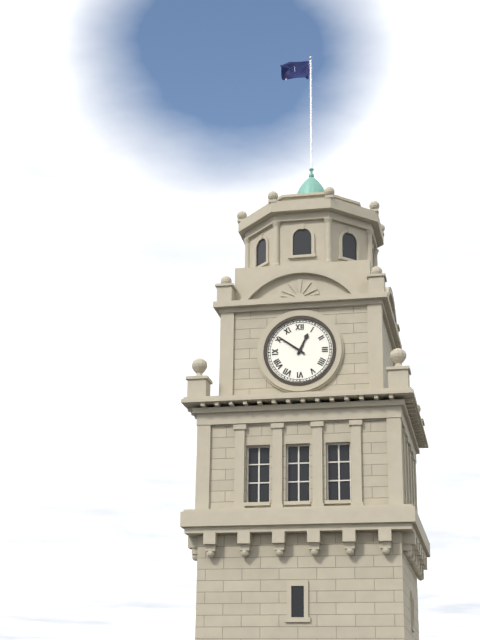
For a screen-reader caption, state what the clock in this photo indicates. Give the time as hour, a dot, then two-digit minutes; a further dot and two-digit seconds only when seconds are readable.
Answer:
12.51
